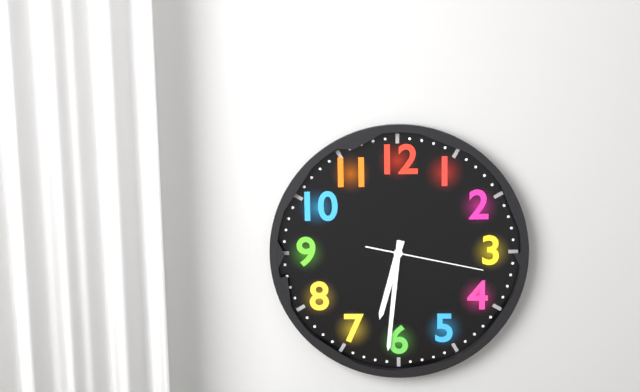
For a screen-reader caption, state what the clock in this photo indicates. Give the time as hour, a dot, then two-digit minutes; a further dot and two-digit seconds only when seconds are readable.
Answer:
6.31.17
